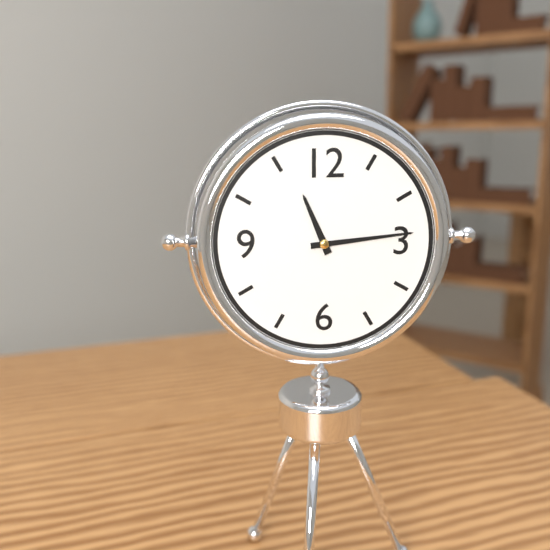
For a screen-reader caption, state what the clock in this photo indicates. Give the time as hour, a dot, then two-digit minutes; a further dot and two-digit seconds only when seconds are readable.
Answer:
11.14
